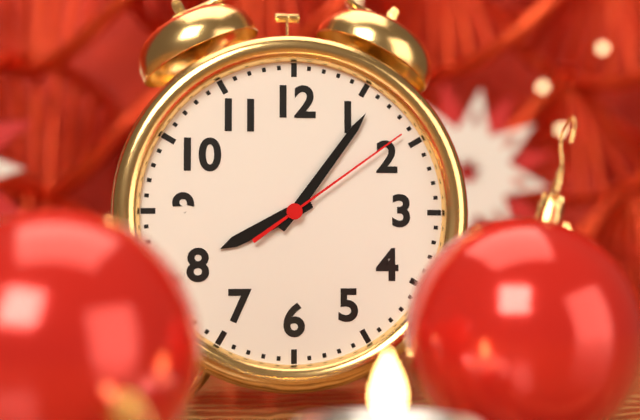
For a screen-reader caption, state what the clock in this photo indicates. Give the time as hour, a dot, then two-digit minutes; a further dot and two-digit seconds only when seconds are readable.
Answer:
8.06.09
